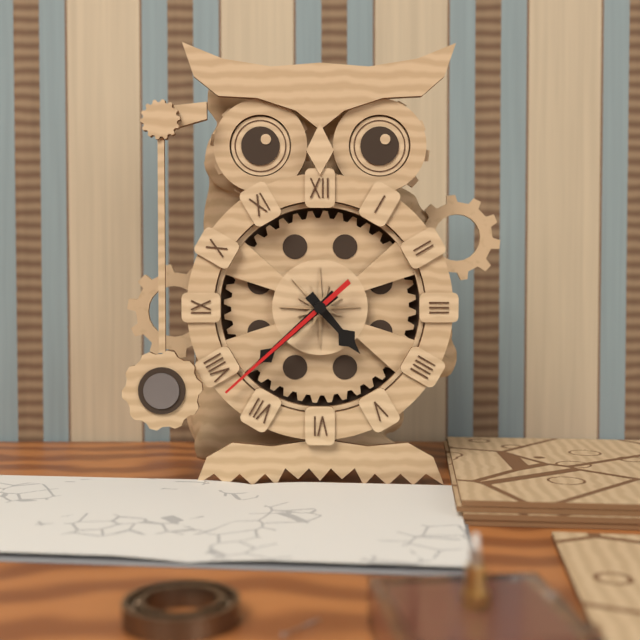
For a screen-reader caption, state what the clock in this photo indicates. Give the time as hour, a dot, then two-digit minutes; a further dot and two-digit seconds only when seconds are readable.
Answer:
4.38.38
